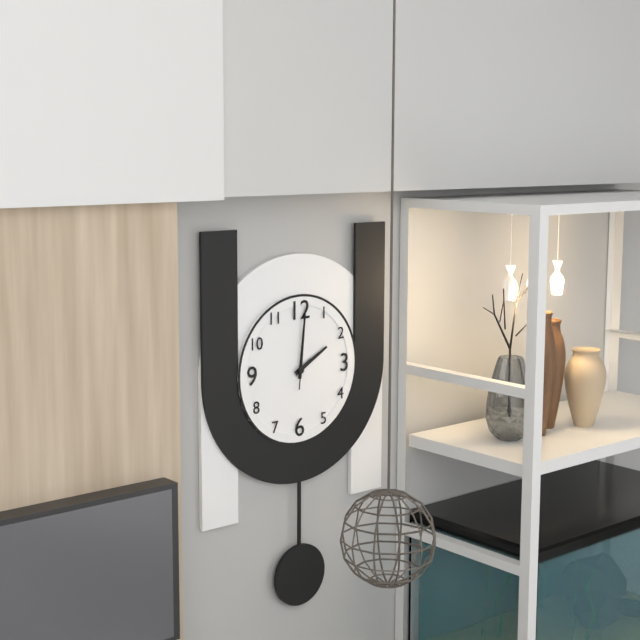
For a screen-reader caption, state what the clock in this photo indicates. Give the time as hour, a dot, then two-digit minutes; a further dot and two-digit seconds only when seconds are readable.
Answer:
2.01.01
